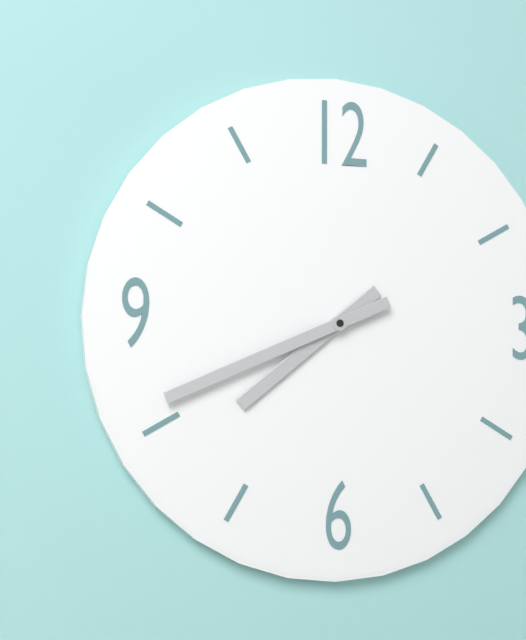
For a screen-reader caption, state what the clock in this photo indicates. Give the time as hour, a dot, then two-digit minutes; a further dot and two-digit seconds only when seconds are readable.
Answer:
7.41
